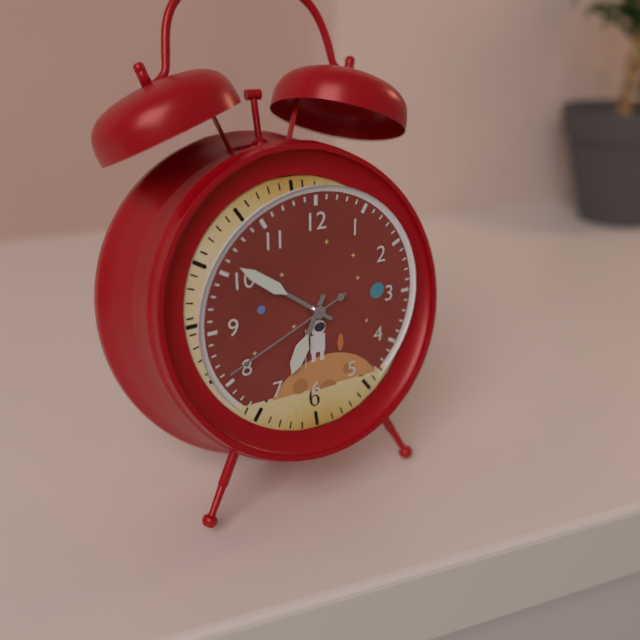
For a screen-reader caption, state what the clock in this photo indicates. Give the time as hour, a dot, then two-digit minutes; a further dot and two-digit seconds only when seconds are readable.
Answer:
6.51.41
